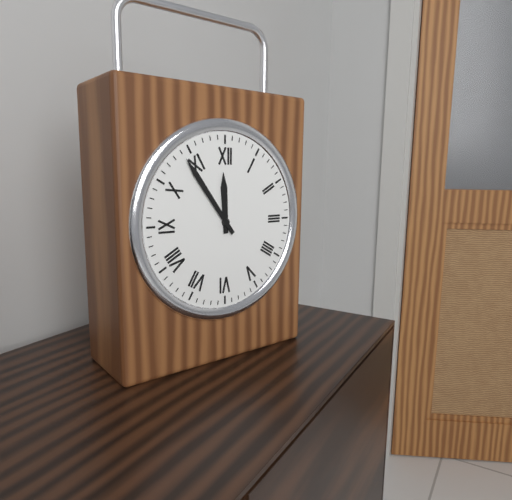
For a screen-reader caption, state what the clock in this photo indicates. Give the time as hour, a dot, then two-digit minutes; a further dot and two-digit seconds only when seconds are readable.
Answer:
11.54
